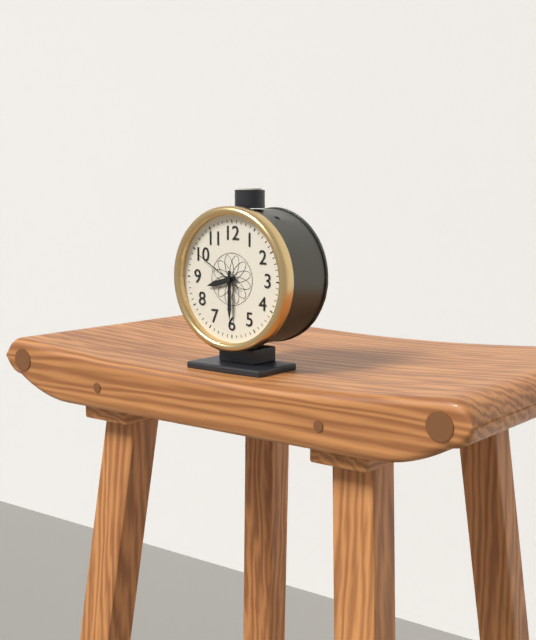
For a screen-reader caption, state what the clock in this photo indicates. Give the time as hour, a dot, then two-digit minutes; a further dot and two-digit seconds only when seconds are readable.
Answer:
8.30
